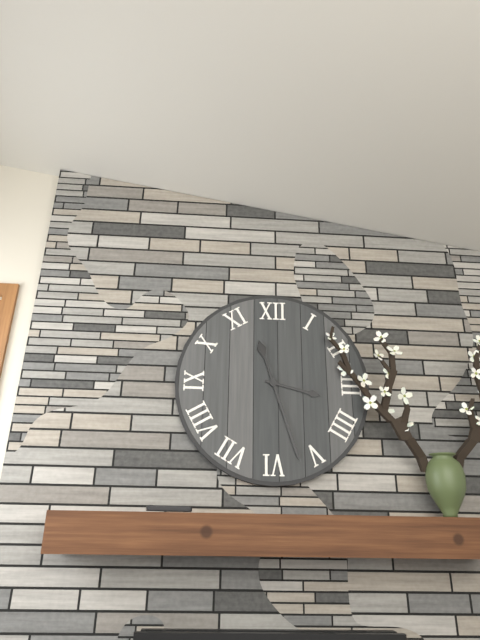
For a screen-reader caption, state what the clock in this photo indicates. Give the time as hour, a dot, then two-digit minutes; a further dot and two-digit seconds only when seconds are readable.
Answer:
3.27
